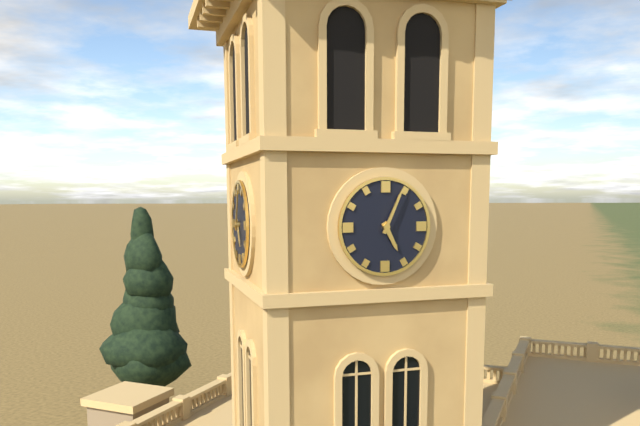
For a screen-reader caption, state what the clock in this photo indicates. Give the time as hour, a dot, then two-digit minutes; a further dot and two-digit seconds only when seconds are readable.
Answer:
5.04
